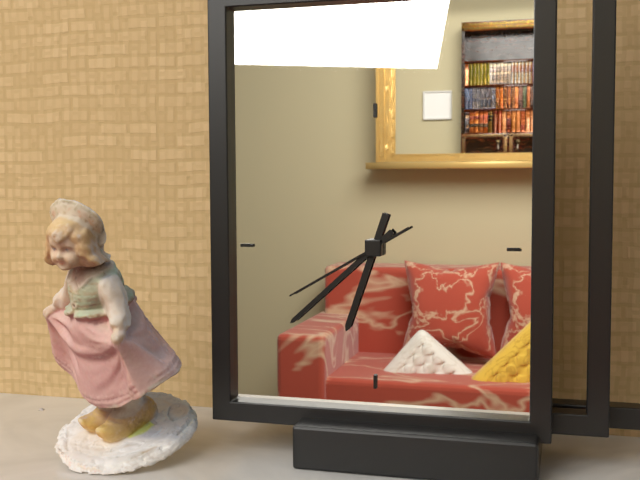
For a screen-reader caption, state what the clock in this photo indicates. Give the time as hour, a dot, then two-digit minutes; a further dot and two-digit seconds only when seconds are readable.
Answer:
6.38.40
